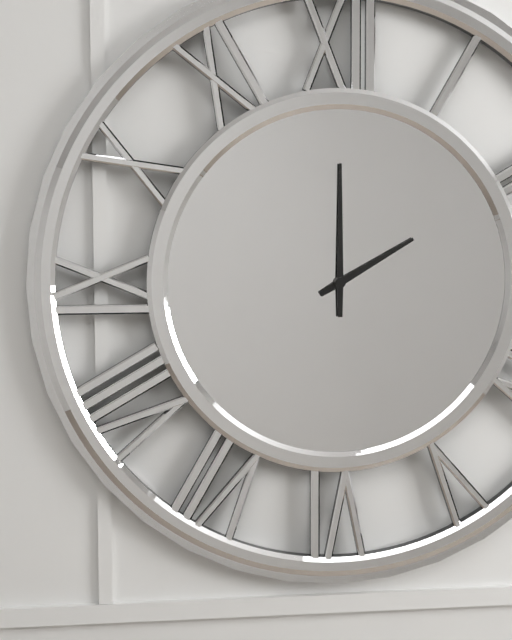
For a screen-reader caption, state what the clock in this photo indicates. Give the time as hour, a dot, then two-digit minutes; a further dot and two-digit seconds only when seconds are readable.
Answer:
2.00
